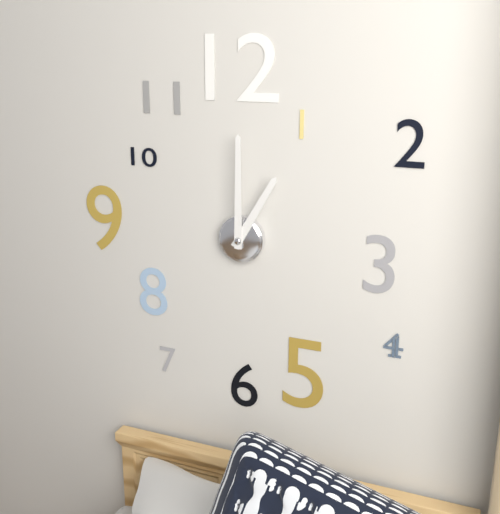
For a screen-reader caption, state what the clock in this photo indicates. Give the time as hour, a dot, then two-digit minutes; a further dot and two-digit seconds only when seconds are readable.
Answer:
1.00
